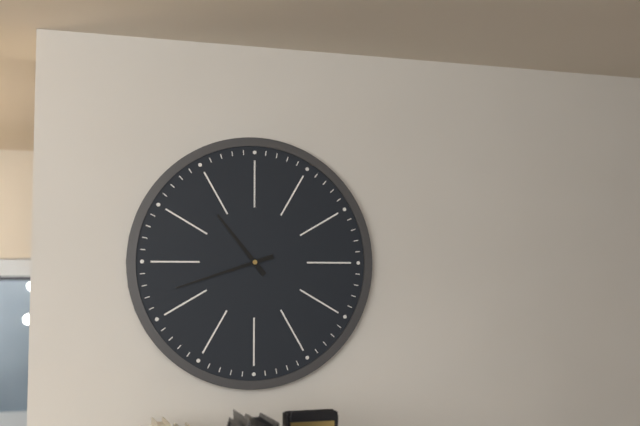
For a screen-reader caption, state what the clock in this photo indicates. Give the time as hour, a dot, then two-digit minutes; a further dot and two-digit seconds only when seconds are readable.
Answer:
10.42
